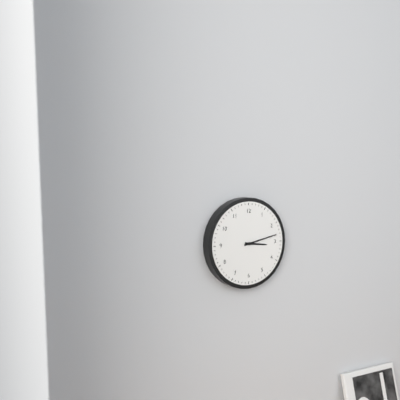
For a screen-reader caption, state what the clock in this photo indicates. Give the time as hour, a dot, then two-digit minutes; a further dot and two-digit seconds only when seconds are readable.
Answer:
3.13
